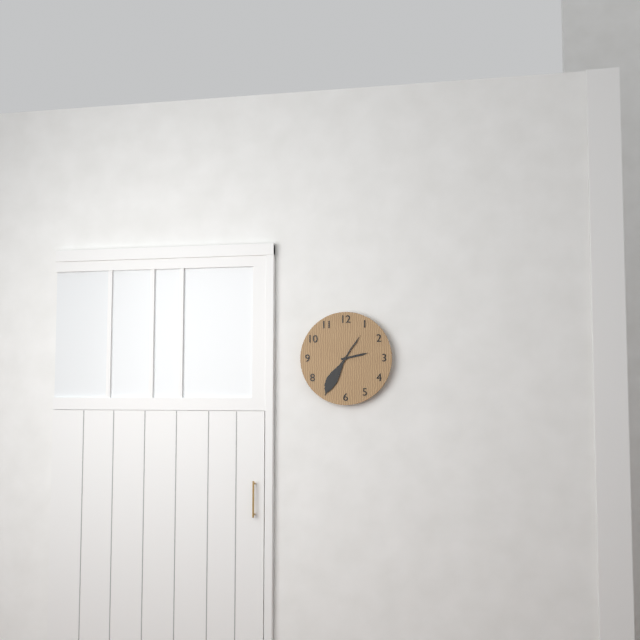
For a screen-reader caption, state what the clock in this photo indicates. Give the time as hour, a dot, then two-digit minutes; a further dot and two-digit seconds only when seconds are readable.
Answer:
2.35
